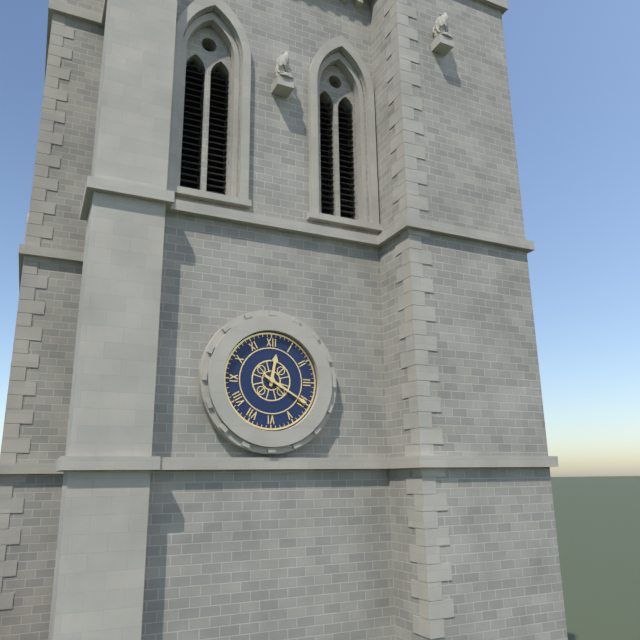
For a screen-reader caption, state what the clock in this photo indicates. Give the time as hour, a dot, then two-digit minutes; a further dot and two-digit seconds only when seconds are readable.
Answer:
12.20
